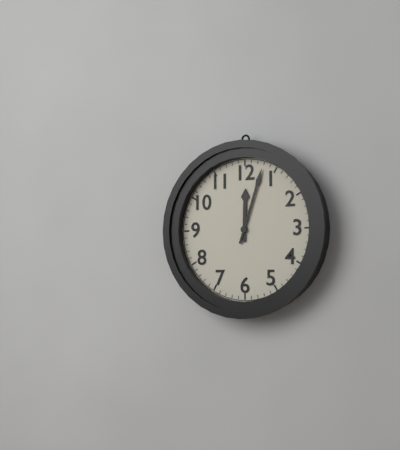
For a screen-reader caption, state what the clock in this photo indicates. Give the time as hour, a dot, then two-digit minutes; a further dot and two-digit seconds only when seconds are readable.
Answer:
12.03
